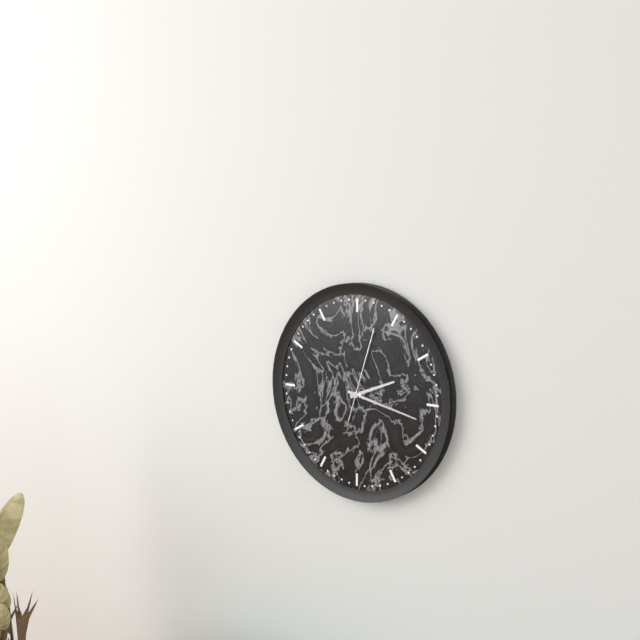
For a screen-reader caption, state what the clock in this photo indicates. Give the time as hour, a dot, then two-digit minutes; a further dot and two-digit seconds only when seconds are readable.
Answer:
2.17.03
